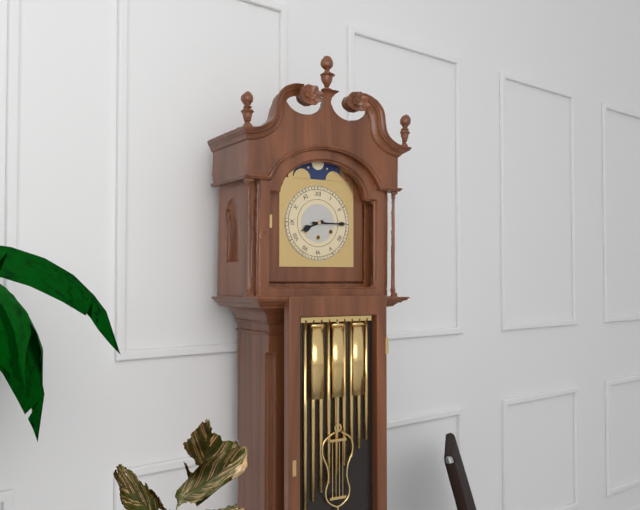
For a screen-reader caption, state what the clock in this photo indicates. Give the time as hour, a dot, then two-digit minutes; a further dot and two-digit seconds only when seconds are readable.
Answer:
8.15
